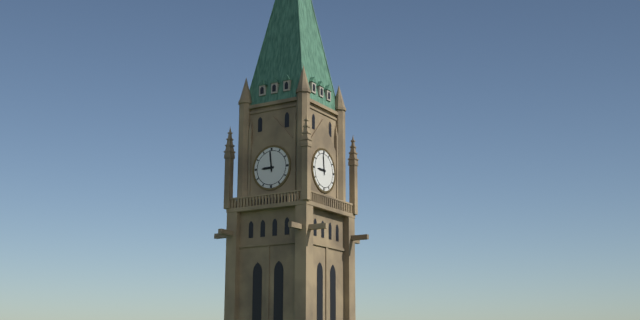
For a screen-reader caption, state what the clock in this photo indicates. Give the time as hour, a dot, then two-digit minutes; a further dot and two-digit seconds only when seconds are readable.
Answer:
8.59
